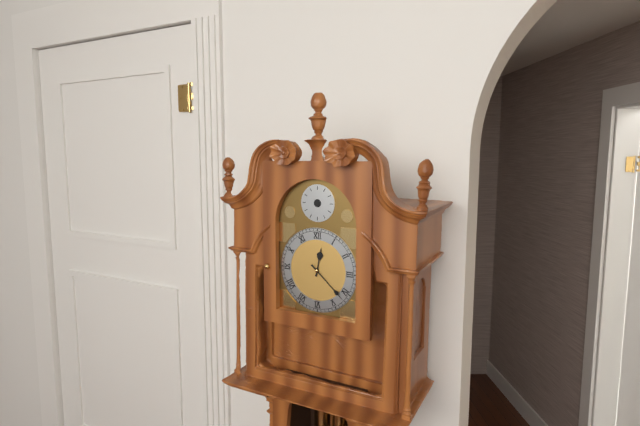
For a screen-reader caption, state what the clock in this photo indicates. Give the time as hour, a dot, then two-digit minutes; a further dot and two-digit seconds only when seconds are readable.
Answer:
12.22
